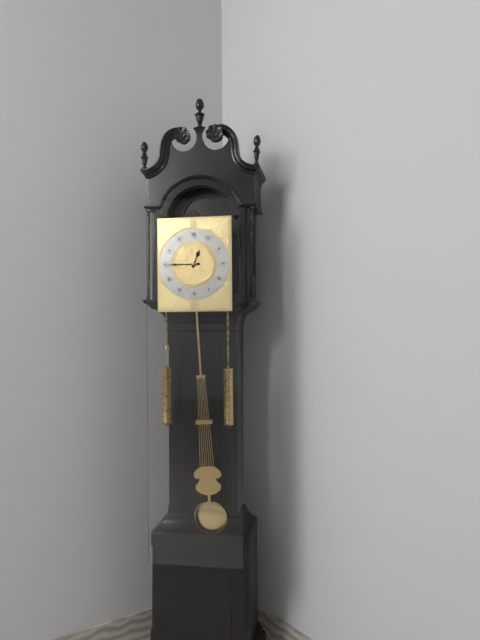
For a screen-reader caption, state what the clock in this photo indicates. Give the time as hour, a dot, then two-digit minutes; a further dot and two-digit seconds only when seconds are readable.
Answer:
12.45
